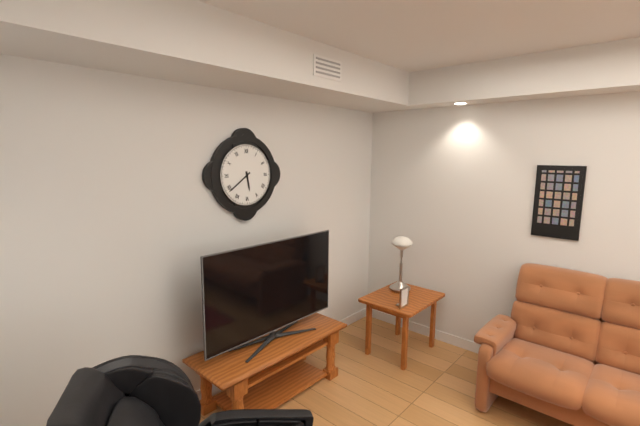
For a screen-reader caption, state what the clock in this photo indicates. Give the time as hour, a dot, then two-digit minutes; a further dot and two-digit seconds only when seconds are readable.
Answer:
5.39
